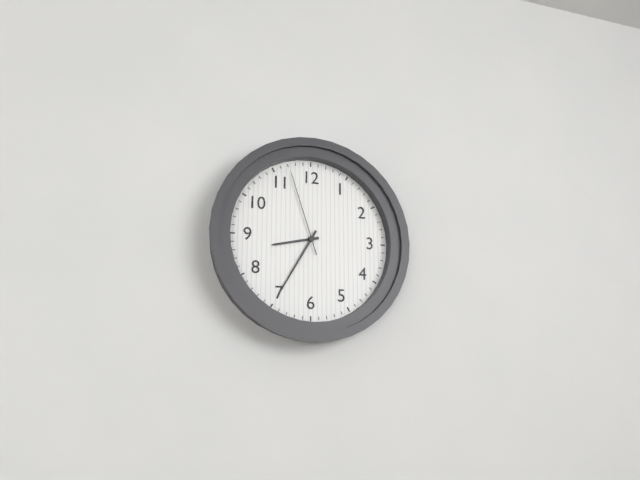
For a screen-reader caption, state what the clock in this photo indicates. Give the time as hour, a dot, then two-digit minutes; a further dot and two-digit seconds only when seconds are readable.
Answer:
8.35.57
